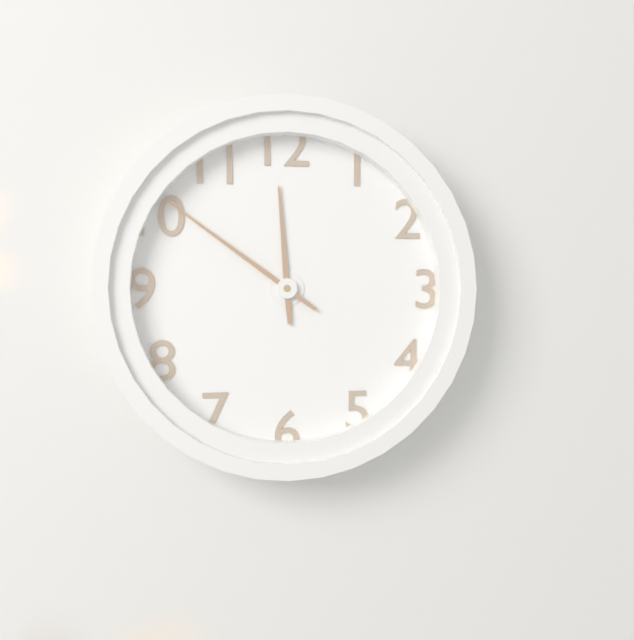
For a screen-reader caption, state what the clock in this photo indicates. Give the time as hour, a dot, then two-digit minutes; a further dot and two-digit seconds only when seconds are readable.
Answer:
11.51
